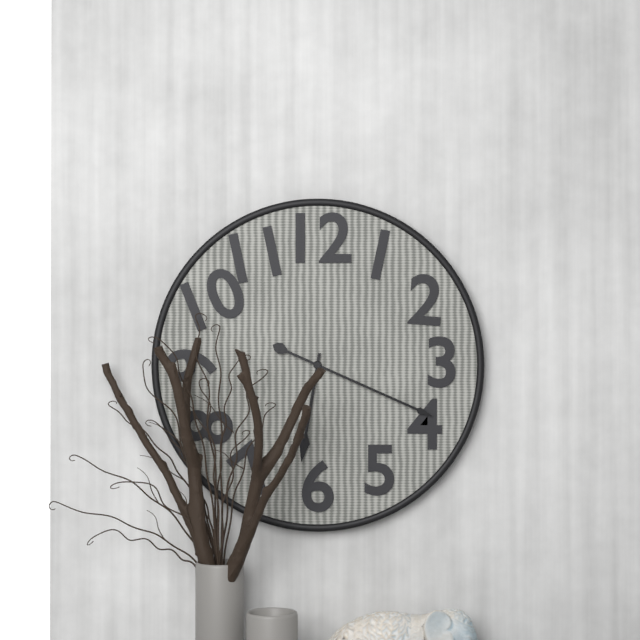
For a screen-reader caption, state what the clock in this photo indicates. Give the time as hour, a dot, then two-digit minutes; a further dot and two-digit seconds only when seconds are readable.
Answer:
6.19
